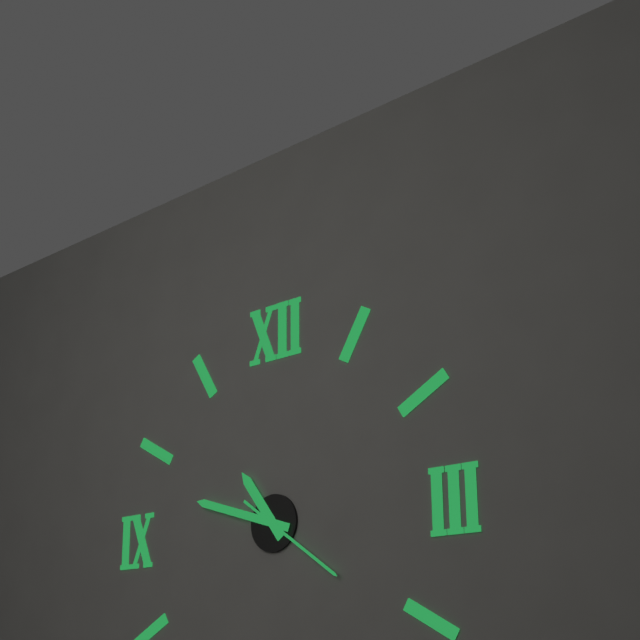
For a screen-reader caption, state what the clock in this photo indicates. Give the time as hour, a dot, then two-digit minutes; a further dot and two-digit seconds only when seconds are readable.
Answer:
10.48.21
